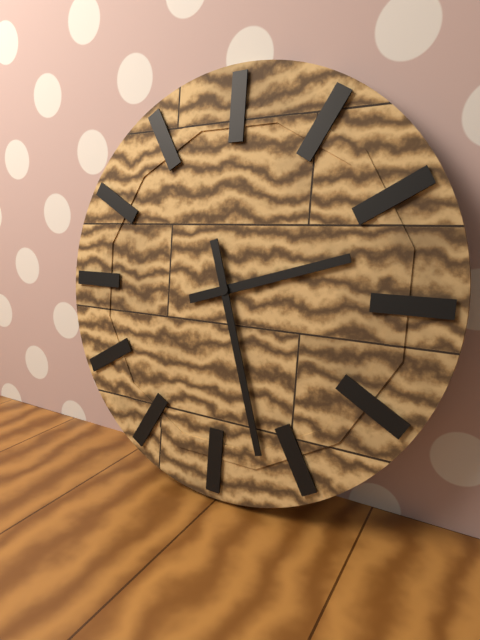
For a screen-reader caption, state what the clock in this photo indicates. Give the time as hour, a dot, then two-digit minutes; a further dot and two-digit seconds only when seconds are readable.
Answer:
2.27
